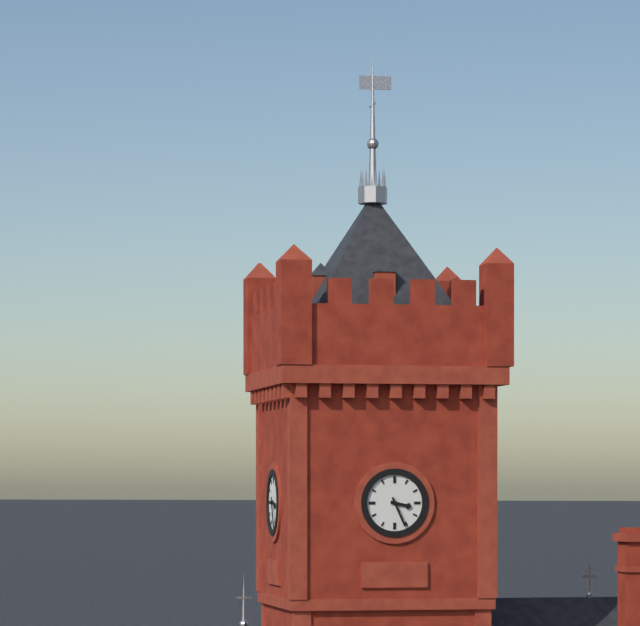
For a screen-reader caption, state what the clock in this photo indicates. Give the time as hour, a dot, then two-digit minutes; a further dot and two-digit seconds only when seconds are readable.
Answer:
3.26
